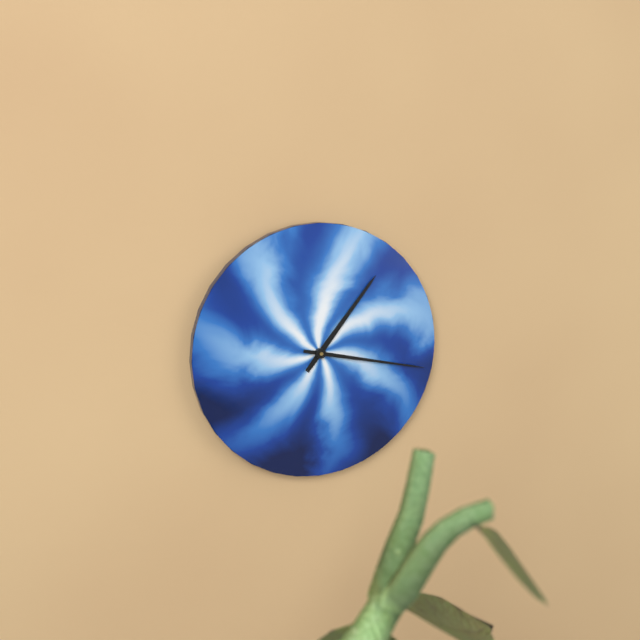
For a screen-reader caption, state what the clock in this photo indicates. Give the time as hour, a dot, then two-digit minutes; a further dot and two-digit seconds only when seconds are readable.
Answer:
1.17
